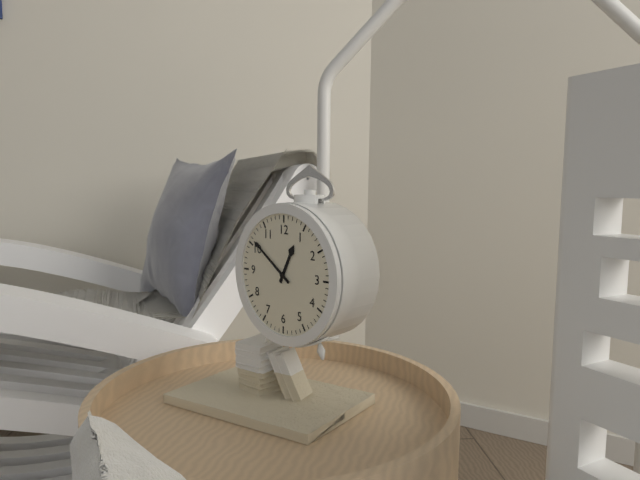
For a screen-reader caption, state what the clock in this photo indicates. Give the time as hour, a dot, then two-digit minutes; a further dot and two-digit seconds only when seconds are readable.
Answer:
12.51
